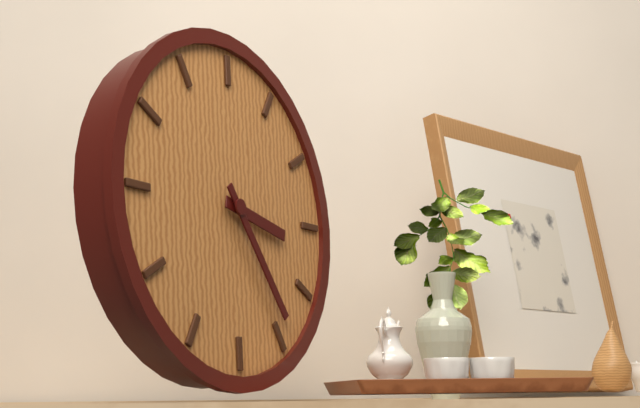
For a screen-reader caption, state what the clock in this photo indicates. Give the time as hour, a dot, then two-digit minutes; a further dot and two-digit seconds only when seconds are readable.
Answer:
3.24
